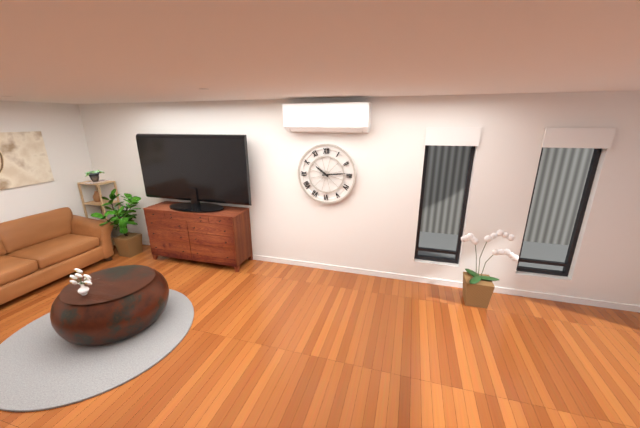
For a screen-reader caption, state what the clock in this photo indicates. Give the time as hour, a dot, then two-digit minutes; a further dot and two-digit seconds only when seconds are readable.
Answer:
10.14
